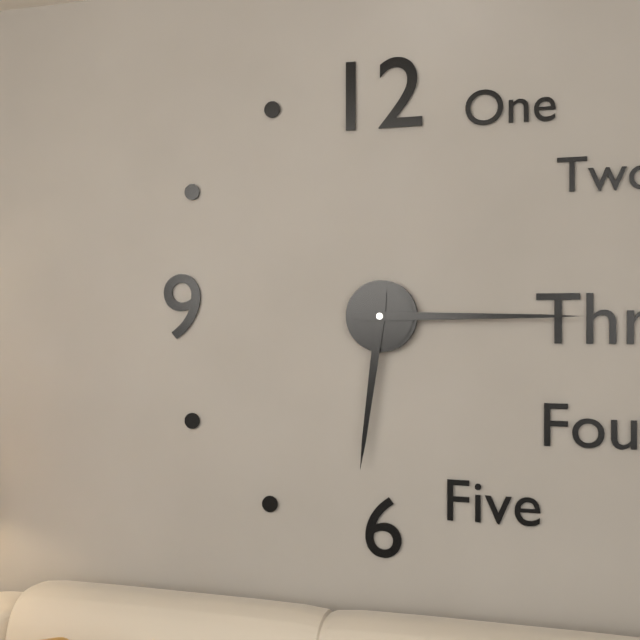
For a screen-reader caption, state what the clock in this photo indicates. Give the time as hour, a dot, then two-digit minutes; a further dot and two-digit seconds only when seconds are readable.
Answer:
6.15
